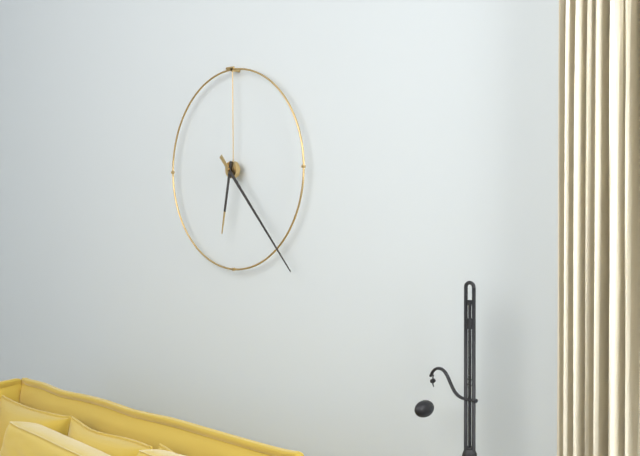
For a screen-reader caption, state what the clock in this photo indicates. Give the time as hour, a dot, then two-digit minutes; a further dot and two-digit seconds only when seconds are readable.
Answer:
6.23
